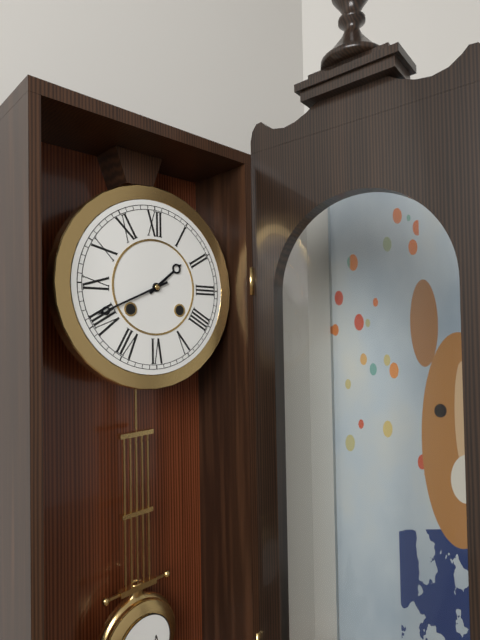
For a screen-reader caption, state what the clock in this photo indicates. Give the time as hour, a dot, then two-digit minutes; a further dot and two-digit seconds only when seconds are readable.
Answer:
1.41
